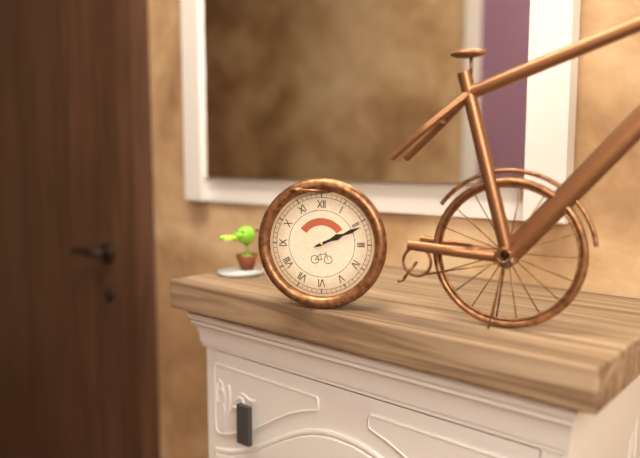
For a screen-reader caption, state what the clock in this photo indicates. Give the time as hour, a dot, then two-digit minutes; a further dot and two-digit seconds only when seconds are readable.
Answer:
2.11
